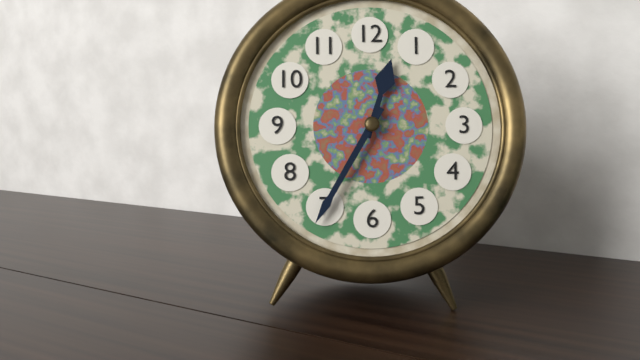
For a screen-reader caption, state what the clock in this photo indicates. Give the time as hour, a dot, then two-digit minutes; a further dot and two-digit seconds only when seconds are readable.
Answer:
12.35
